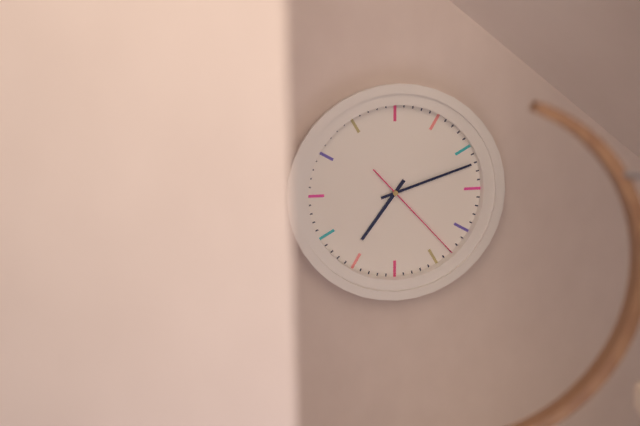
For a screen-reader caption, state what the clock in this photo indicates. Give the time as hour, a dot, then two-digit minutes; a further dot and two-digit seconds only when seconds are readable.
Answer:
7.12.23
